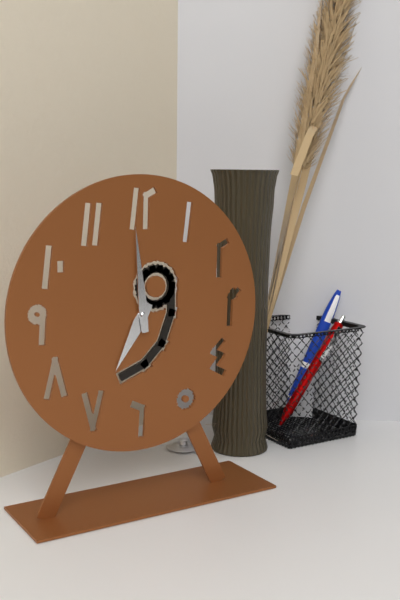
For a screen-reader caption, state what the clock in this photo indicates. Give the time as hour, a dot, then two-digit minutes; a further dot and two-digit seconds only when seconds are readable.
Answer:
6.59
